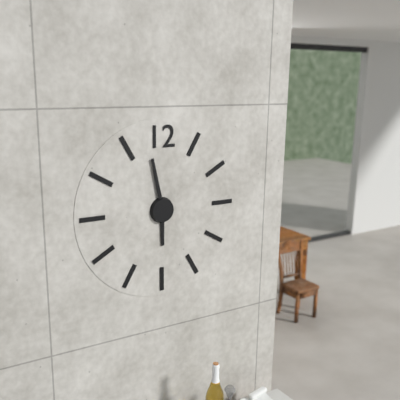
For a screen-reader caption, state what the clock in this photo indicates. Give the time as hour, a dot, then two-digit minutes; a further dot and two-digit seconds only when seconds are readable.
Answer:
5.58
